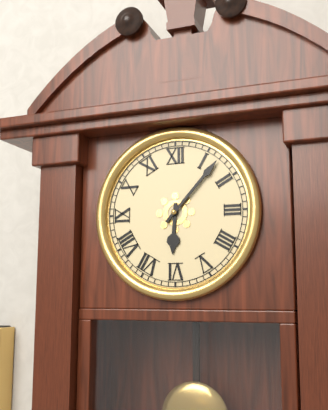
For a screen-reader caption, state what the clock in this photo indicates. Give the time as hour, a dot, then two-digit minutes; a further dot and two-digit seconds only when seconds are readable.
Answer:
6.07
